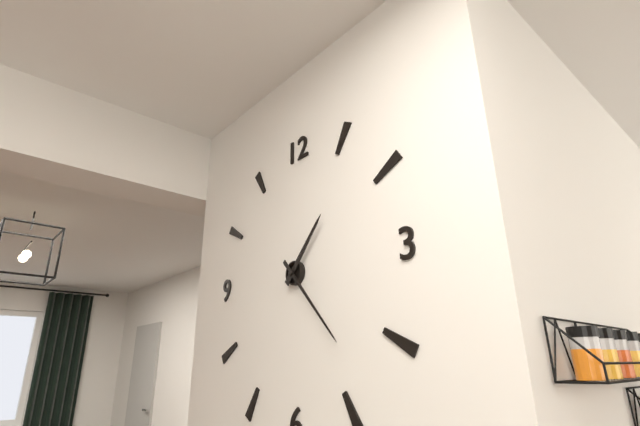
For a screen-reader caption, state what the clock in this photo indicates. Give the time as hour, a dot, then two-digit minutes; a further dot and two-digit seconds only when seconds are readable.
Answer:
1.23
